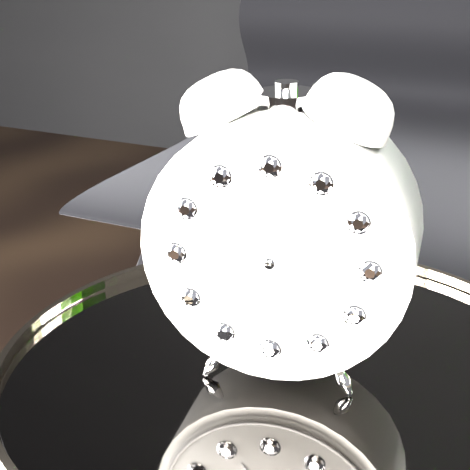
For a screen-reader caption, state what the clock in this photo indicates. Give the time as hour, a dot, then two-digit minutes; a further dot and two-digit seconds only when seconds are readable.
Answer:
11.34.45
